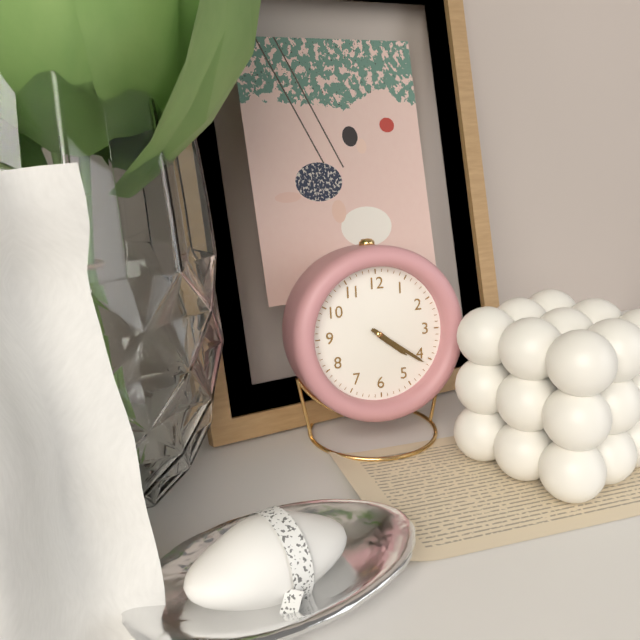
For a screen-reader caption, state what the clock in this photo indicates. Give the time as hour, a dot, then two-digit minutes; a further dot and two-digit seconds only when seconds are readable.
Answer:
4.21
